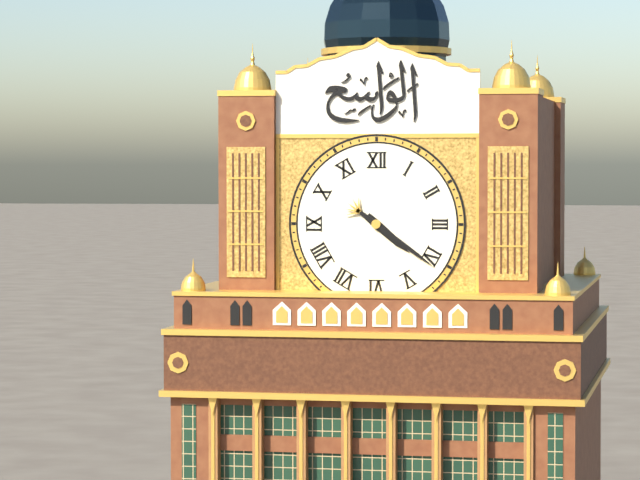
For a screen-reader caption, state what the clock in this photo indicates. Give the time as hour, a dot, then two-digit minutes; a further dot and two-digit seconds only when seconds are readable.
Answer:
4.21
